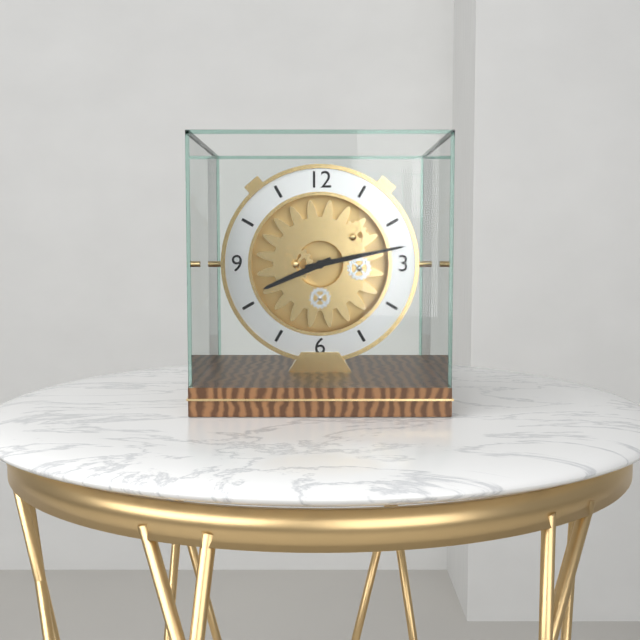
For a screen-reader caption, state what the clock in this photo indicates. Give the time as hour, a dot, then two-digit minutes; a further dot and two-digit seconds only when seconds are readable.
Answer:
8.13
